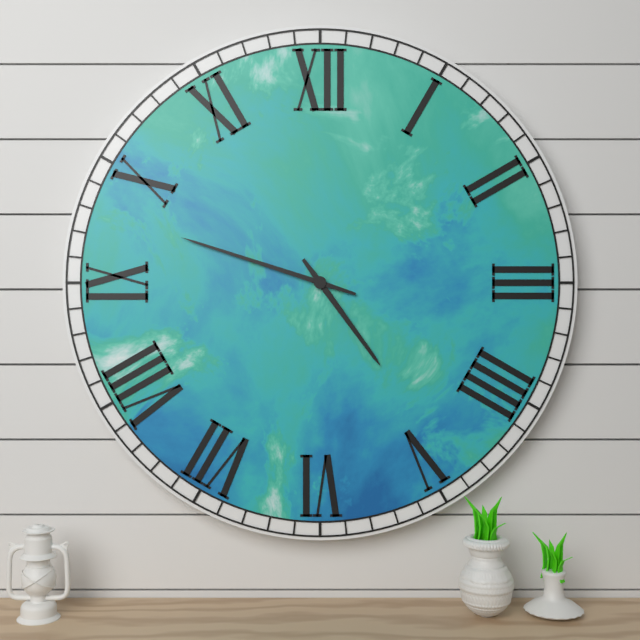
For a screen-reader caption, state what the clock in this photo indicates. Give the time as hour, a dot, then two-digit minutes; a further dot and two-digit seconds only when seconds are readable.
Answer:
4.48
